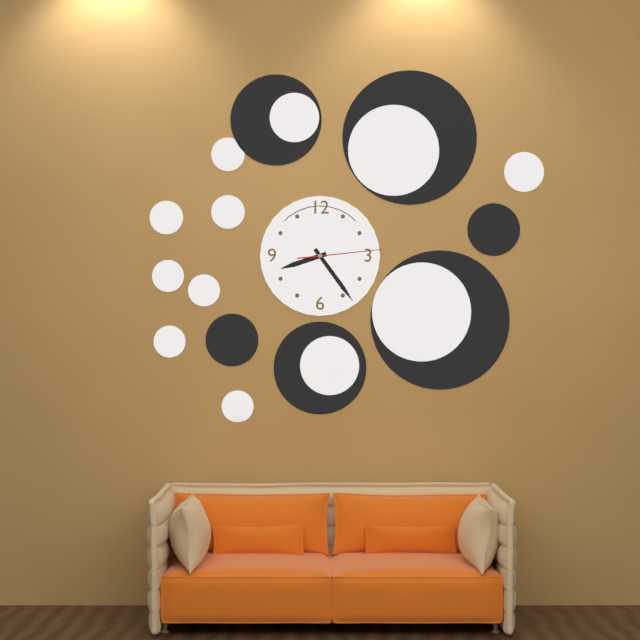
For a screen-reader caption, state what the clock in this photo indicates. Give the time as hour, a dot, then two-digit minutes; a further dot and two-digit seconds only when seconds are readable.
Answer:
8.24.14
